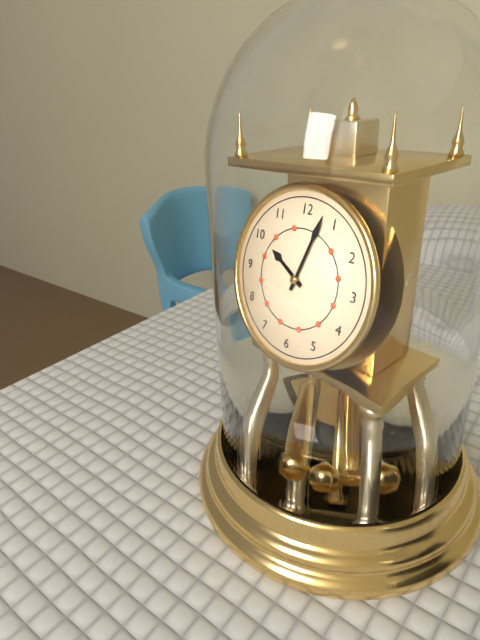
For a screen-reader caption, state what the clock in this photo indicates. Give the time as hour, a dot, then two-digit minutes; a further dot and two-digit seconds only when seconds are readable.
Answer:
10.03
